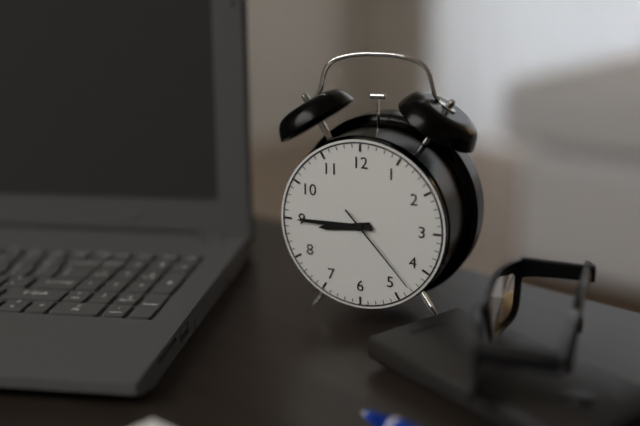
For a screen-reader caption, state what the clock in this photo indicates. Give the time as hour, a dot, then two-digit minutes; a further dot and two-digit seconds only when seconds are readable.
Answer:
8.45.23
